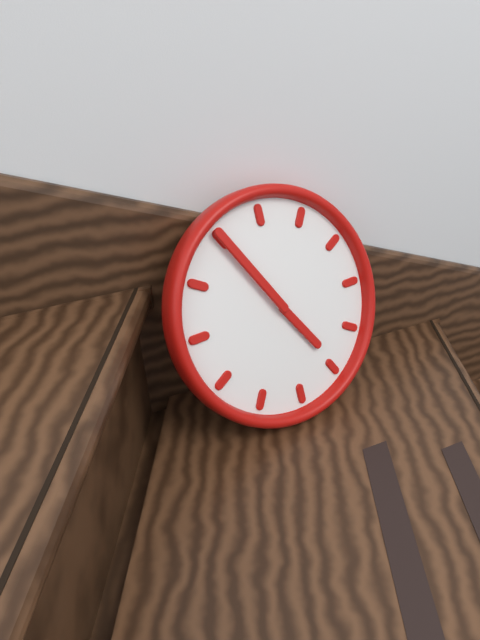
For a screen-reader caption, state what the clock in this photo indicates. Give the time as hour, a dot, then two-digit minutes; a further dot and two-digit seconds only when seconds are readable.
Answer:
4.55
